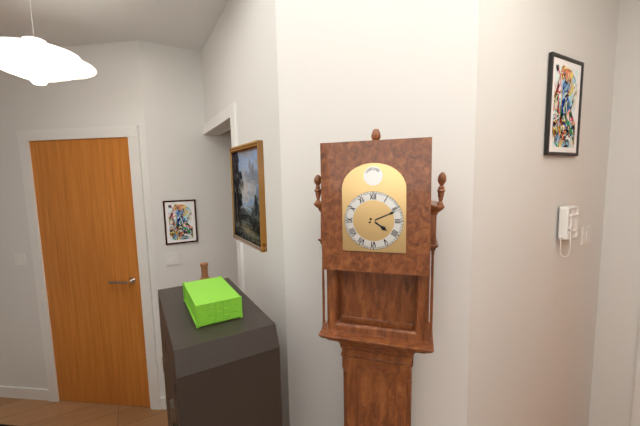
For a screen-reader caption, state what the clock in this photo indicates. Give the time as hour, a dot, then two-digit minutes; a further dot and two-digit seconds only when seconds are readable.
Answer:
4.11
